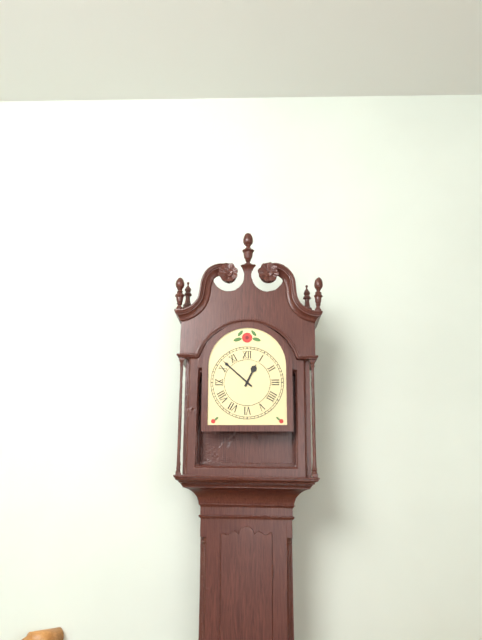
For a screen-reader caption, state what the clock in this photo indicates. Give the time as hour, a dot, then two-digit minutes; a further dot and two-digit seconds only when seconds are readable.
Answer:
12.52
